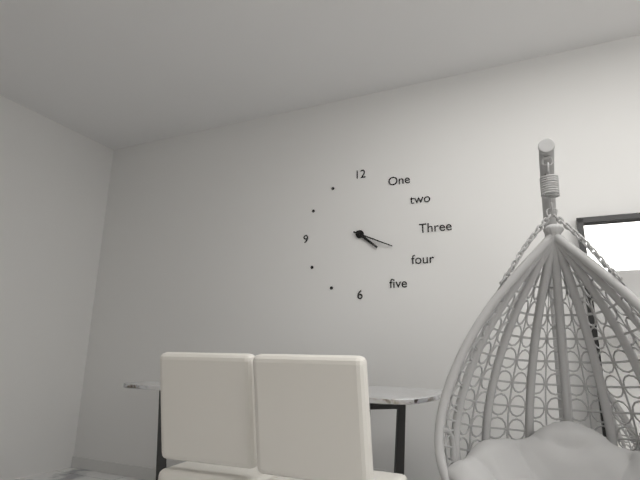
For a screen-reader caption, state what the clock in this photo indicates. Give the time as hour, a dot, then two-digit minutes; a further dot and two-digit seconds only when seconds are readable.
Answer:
4.19
